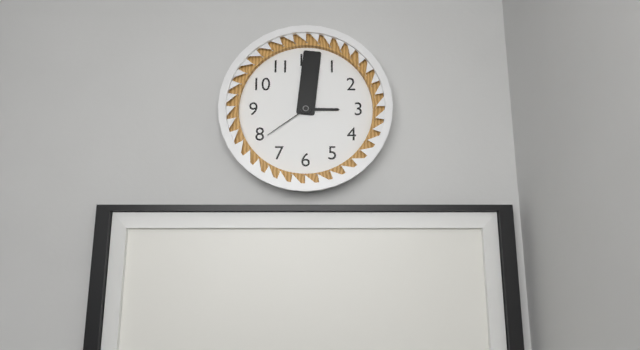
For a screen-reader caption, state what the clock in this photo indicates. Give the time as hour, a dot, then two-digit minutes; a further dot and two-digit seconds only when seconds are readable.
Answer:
3.01.39
